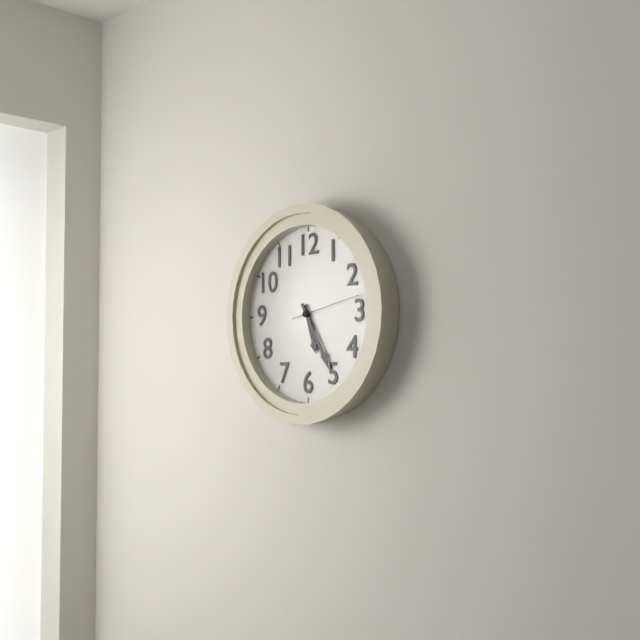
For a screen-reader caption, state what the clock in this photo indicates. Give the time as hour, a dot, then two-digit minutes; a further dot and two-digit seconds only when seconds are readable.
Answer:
5.25.13
